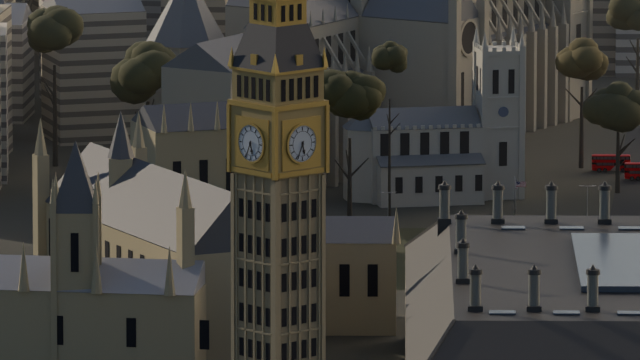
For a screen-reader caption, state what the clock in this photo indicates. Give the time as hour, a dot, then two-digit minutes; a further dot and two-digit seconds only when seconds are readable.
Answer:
5.34
